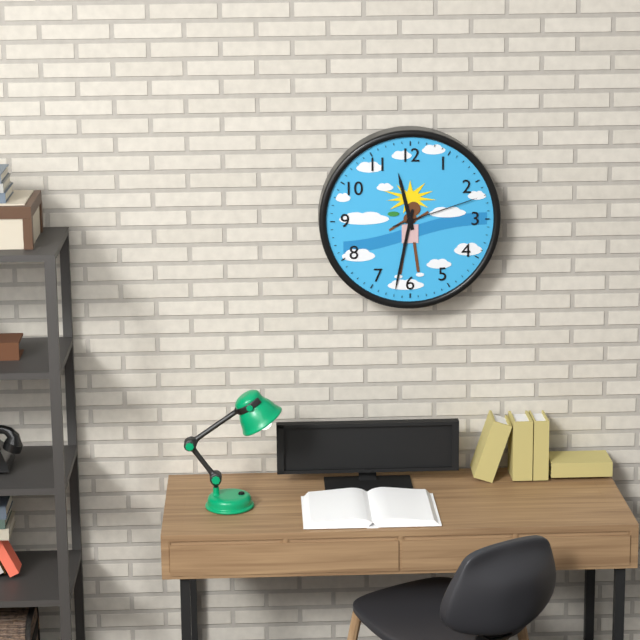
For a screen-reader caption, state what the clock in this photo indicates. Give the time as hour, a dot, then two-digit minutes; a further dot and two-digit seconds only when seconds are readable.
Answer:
11.32.12
